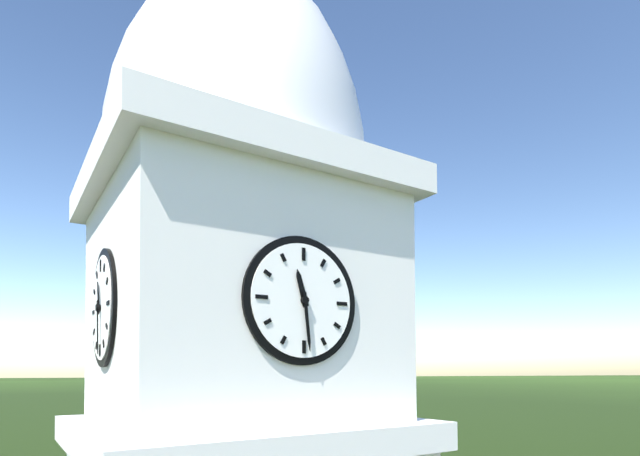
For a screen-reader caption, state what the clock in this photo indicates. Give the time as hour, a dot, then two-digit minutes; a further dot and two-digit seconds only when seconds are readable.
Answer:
11.29
